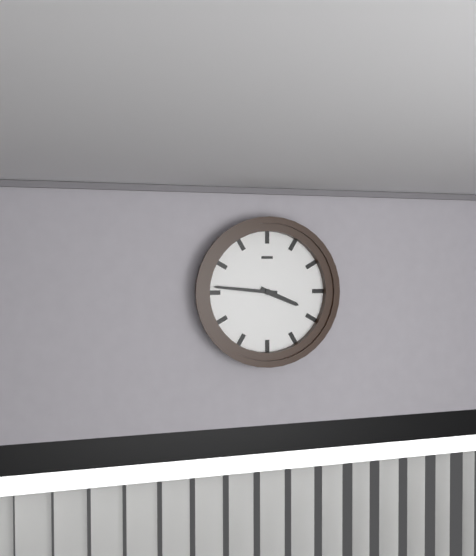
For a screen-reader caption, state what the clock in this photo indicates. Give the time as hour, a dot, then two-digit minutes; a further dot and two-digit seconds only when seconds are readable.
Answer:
3.46
